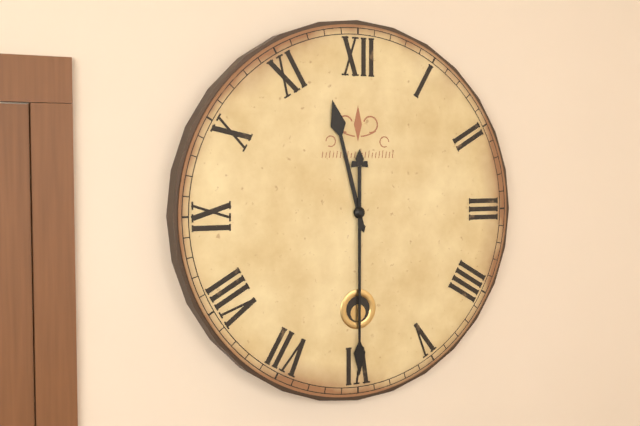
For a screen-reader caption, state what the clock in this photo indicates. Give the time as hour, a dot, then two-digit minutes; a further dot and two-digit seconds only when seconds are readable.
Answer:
11.30
